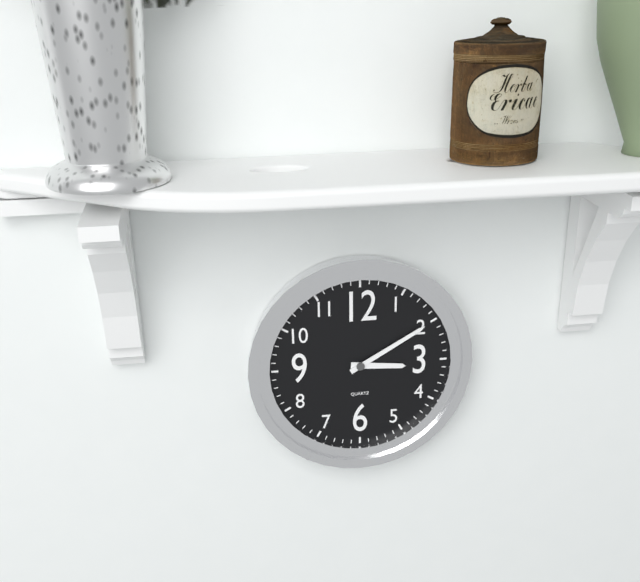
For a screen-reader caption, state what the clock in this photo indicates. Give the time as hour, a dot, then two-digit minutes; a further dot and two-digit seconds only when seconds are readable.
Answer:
3.10
